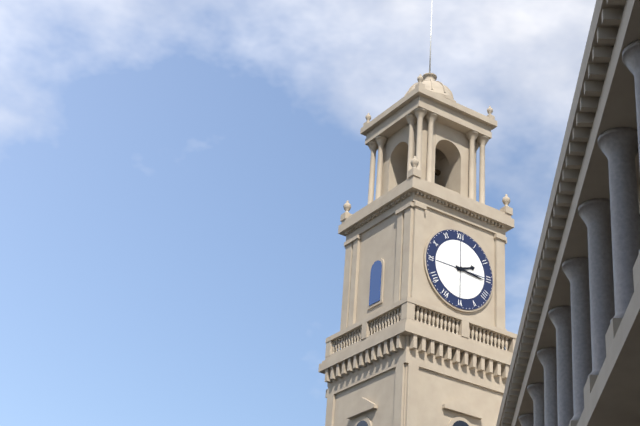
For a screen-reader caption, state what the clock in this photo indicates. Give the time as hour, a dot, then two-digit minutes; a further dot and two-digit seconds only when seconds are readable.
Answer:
2.16
